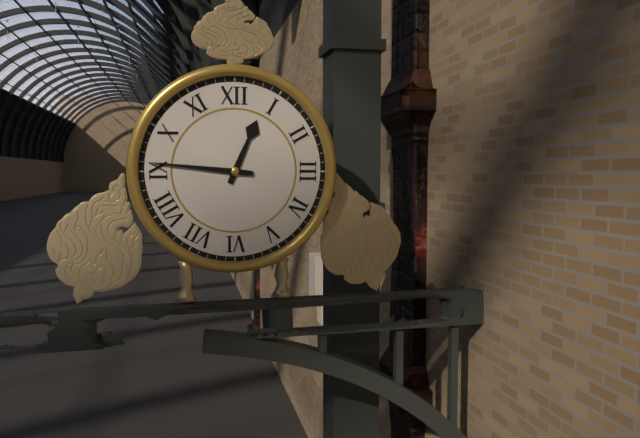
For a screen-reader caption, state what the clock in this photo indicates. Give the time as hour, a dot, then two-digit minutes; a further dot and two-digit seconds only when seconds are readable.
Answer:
12.46
